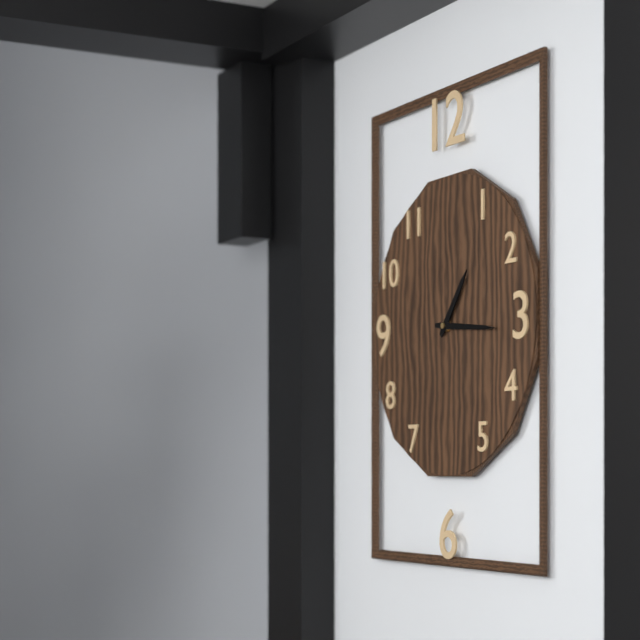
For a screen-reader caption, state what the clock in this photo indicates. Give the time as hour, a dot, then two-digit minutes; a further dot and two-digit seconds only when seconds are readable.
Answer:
1.16
